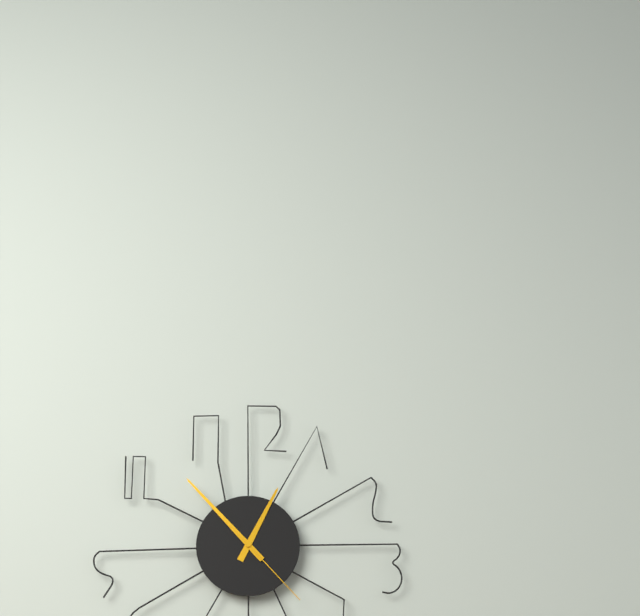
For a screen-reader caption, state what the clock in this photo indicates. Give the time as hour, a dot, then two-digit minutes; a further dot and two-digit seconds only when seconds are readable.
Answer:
12.53.23
